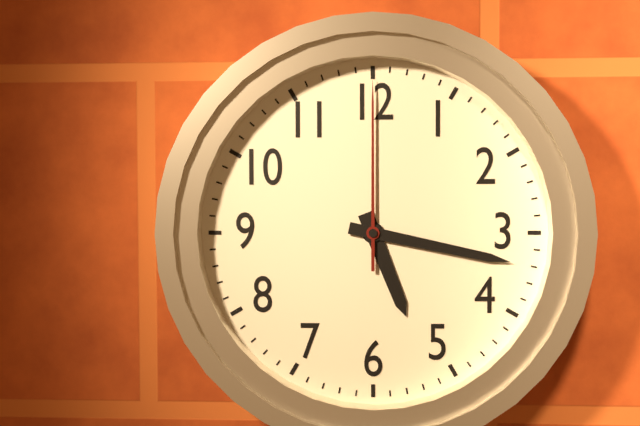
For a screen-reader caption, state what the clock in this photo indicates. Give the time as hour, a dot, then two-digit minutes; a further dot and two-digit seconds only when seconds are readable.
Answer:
5.17.00
